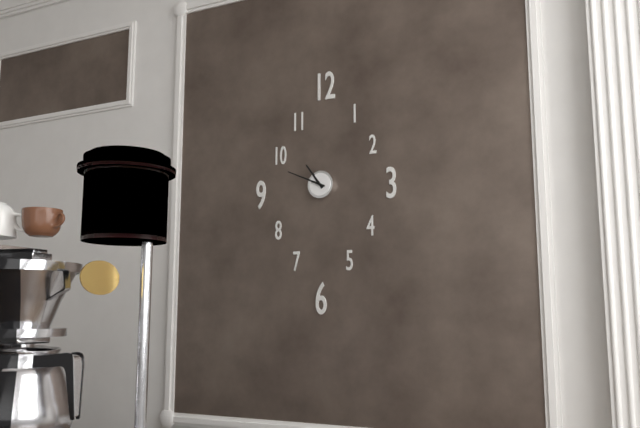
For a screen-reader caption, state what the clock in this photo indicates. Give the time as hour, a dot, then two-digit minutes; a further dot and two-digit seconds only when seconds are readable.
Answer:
10.49
